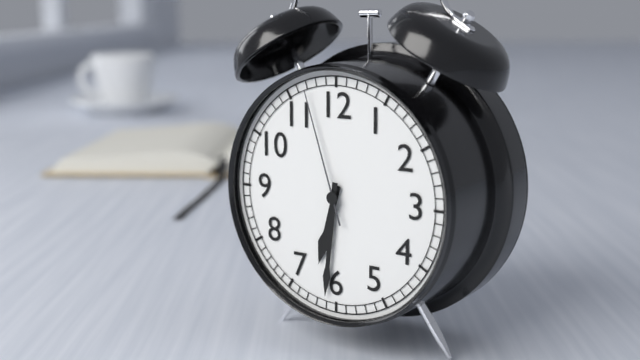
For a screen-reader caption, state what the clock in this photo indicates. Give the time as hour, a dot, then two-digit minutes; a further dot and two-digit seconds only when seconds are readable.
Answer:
6.31.57
